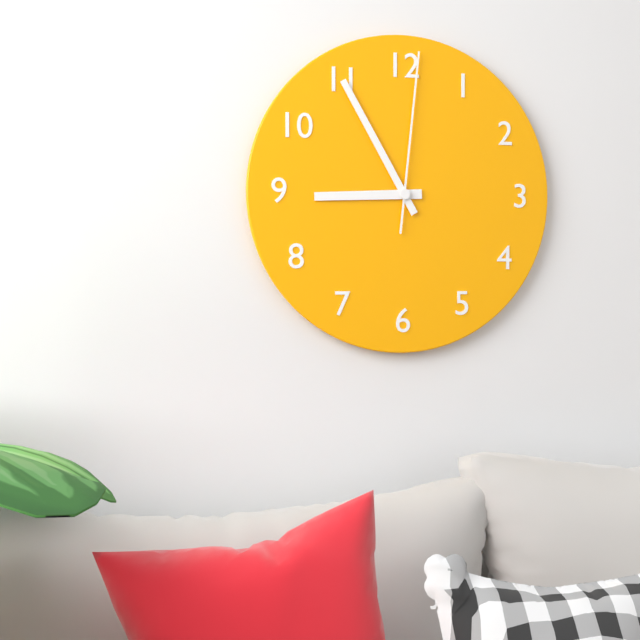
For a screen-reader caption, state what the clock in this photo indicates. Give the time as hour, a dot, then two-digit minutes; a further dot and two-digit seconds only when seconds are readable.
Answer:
8.55.01
